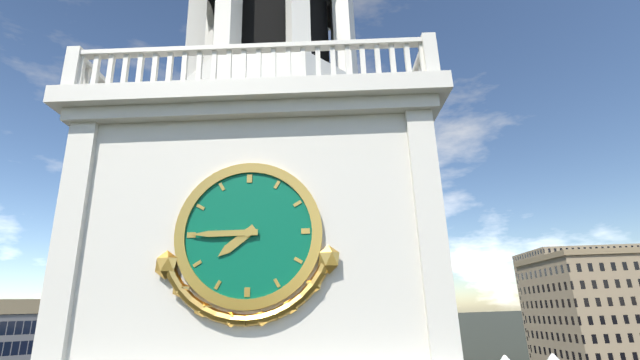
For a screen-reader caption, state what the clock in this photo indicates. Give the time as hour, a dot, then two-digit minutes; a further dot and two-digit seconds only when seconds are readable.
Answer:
7.45
